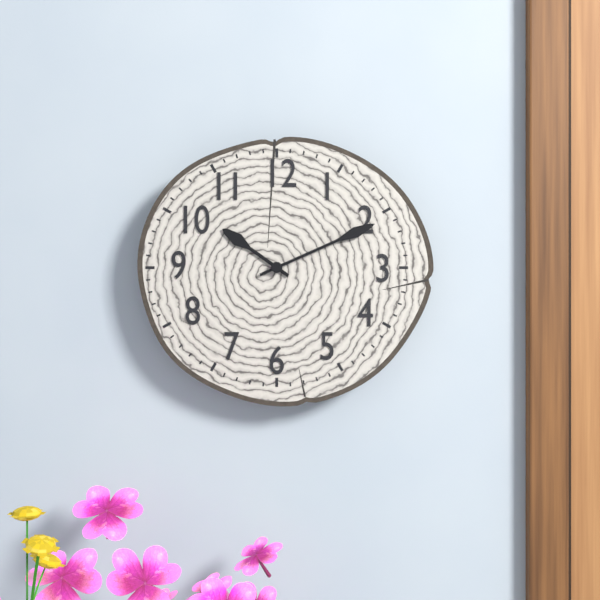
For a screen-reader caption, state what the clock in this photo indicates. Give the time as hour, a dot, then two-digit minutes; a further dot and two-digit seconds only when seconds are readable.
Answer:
10.11
